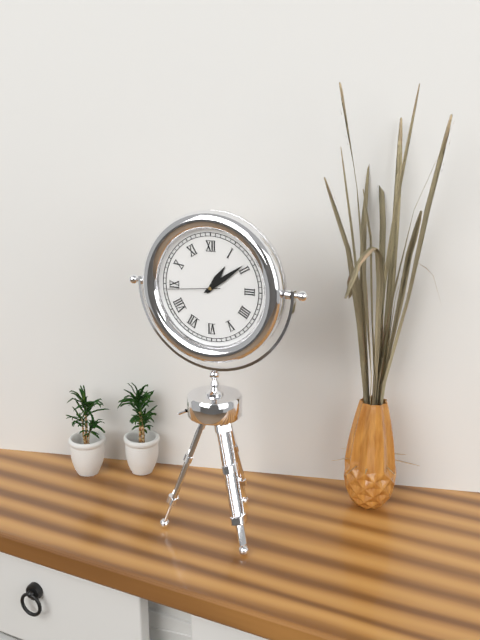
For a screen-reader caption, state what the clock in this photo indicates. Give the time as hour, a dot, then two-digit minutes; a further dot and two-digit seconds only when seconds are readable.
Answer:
1.09.44
